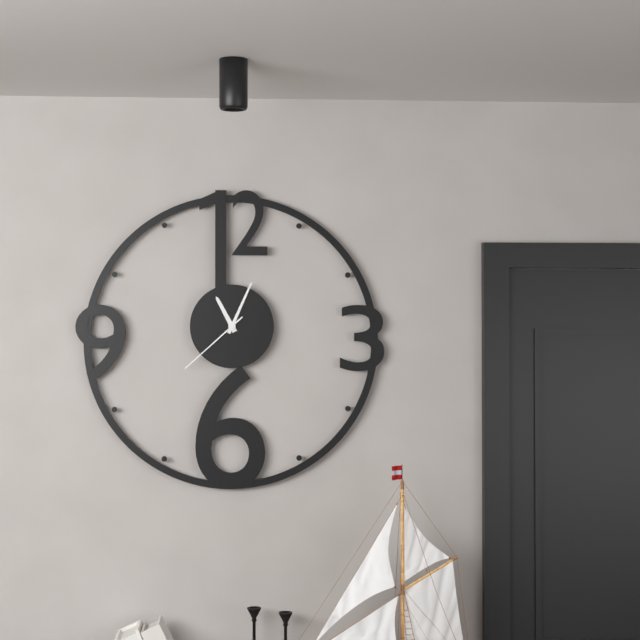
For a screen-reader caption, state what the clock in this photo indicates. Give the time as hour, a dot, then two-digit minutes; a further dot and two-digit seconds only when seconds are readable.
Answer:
11.04.38
